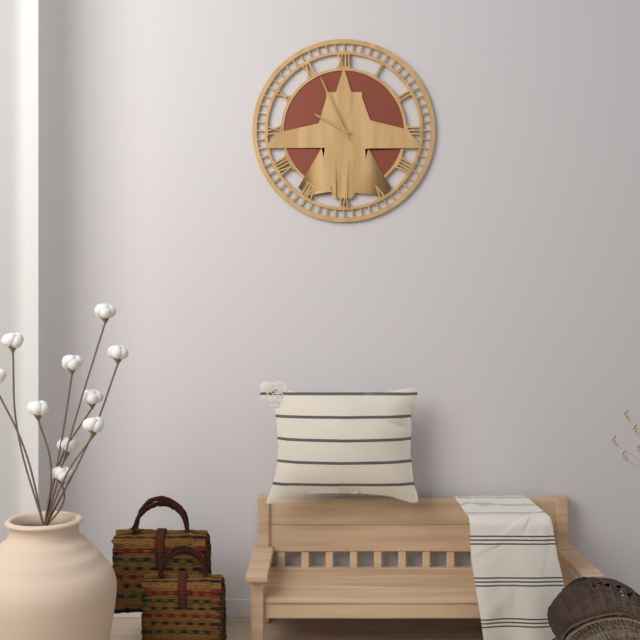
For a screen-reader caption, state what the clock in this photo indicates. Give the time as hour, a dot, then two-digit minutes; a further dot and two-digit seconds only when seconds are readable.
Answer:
9.56
